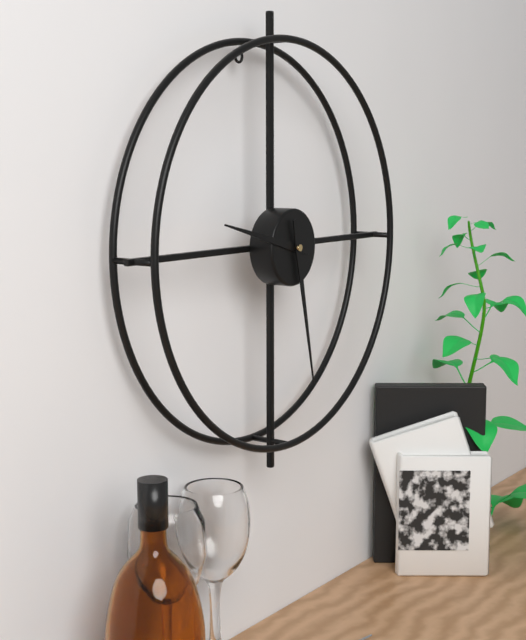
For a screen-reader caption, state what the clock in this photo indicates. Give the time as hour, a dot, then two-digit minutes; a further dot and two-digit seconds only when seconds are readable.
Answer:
9.28
